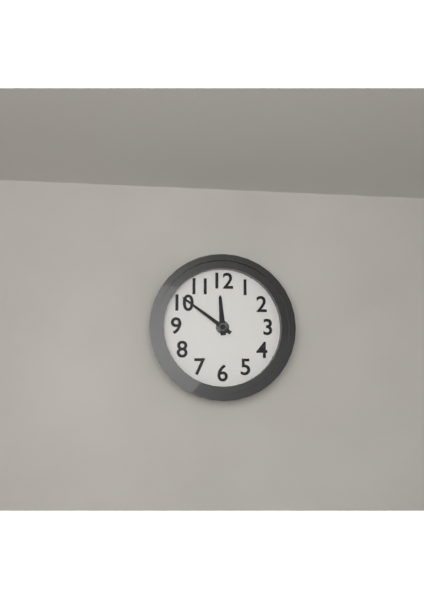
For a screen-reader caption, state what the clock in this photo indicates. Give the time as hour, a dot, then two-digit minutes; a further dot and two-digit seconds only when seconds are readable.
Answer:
11.51
